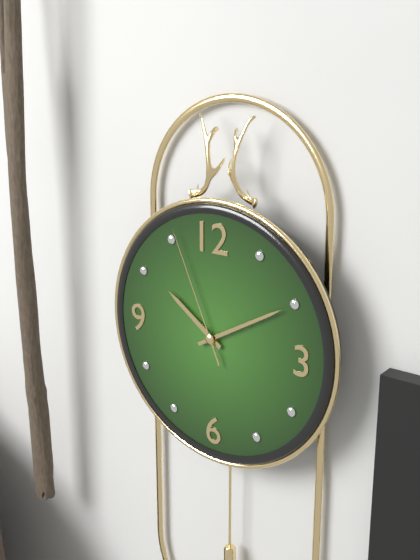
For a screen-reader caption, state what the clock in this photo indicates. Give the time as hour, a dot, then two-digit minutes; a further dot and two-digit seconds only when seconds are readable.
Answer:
10.10.56
